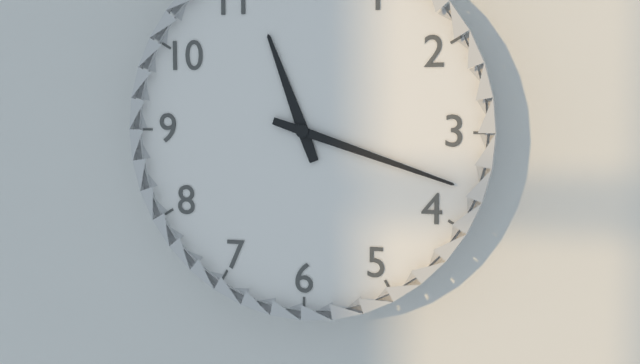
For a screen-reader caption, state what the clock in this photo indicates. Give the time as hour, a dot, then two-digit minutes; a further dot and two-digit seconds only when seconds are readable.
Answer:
11.18
